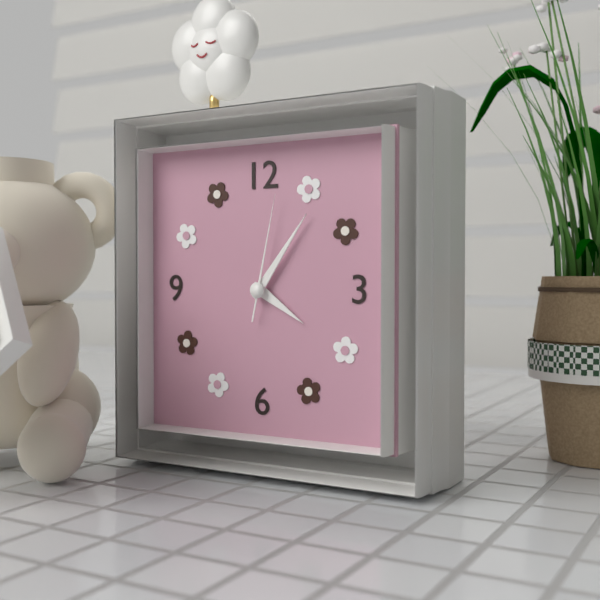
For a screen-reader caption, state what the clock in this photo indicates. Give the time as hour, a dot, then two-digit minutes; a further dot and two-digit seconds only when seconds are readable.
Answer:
4.06.02
